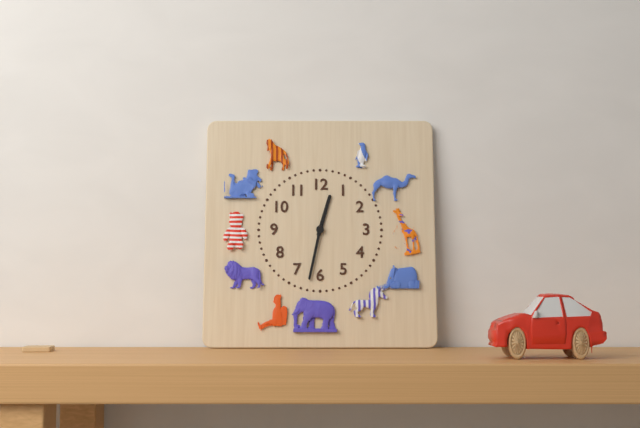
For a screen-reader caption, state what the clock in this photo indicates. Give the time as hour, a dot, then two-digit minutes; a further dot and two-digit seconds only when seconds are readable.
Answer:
12.32
